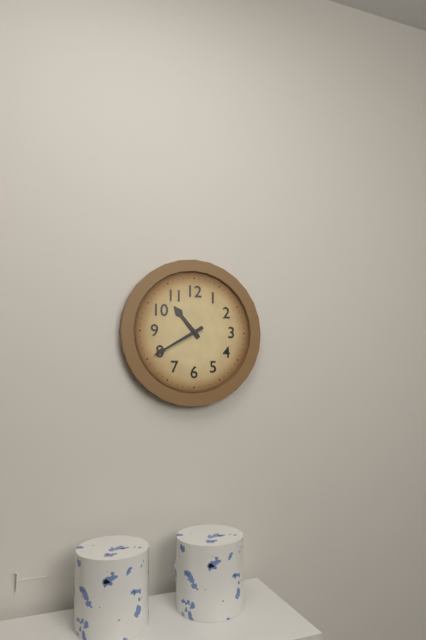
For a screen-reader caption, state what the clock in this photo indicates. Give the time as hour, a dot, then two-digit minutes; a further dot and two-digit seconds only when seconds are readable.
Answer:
10.40
